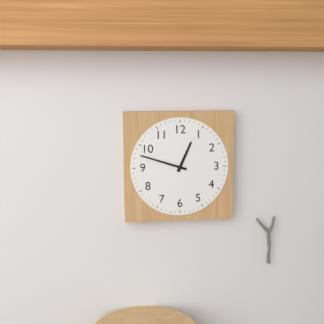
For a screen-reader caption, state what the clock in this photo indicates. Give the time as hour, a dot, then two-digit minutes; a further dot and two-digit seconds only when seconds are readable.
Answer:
12.48
